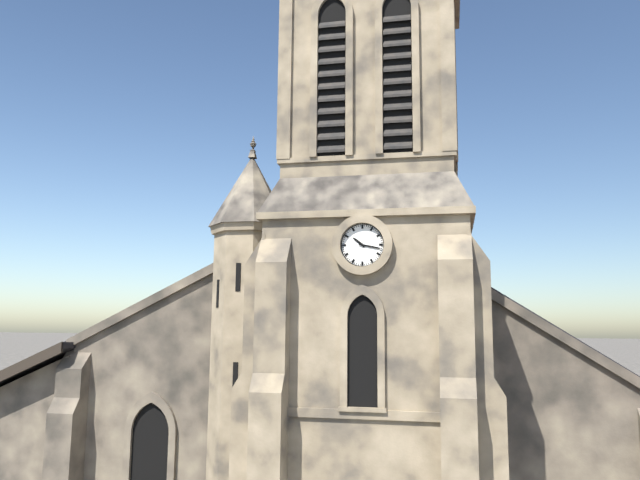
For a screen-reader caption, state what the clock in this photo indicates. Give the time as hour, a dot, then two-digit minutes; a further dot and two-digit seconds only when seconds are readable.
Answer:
10.17
